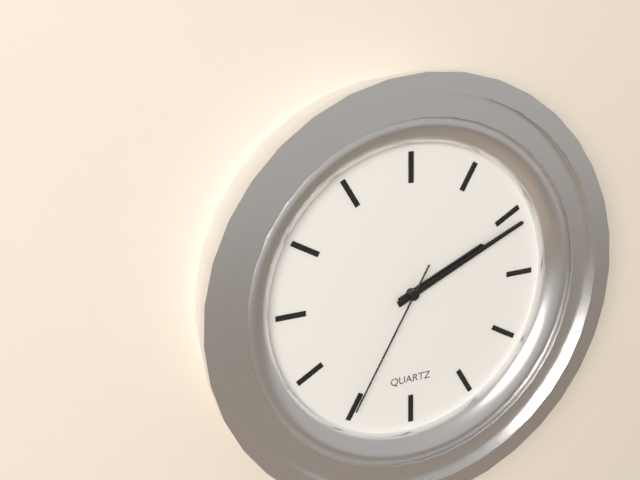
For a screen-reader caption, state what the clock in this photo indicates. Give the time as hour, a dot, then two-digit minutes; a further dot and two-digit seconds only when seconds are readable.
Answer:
2.11.35
